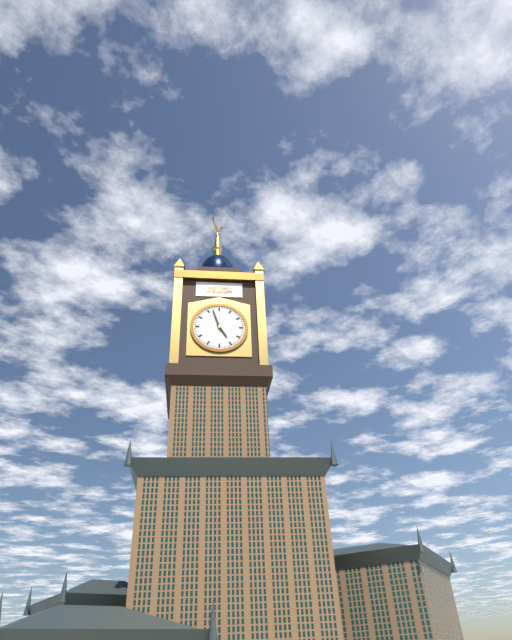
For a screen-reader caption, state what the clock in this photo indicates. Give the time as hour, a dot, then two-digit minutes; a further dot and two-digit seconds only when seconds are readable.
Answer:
4.57
